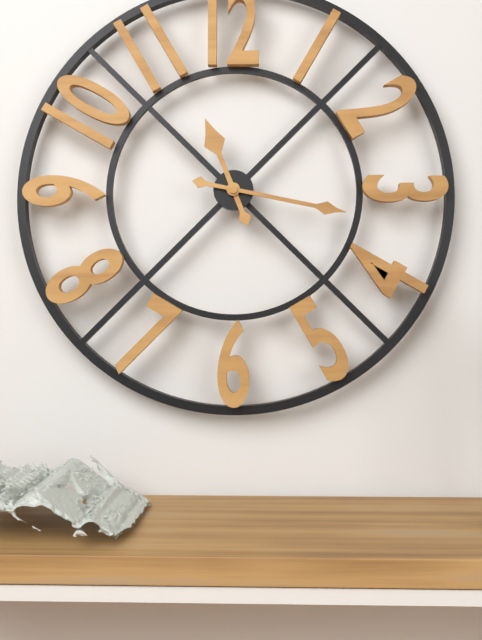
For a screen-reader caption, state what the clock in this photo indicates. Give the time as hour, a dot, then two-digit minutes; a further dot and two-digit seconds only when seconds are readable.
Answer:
11.17
